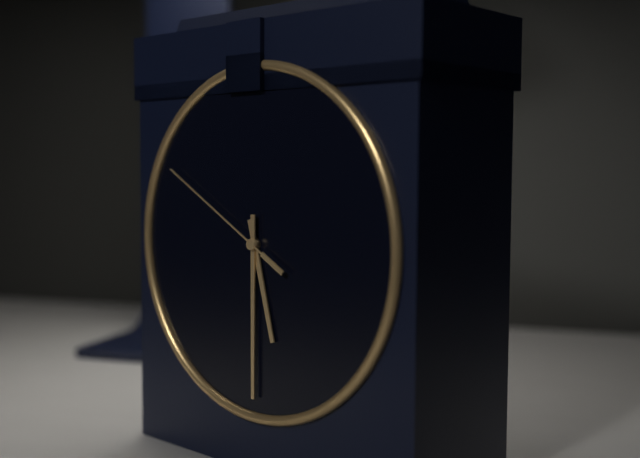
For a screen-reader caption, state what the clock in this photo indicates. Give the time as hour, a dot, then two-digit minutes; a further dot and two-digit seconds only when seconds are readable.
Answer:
5.30.50
